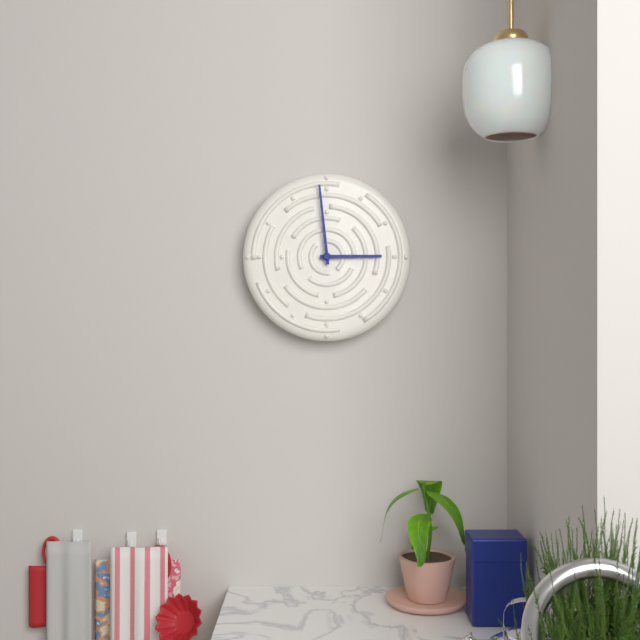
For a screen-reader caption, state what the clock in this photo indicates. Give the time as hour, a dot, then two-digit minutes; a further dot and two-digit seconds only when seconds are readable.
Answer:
2.59
